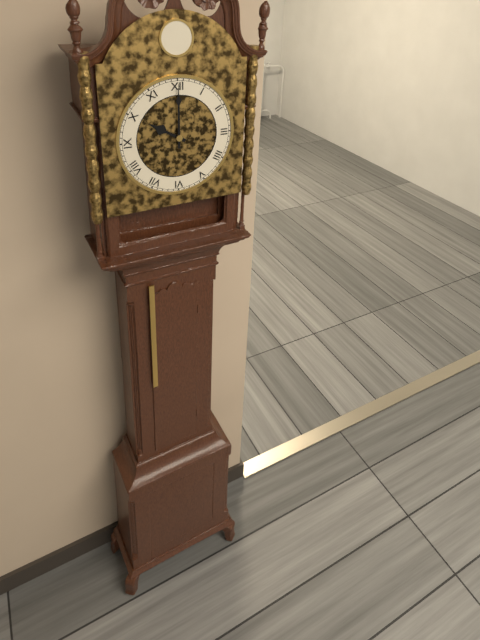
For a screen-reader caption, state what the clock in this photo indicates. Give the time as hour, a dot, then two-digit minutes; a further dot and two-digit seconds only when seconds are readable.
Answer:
10.00
